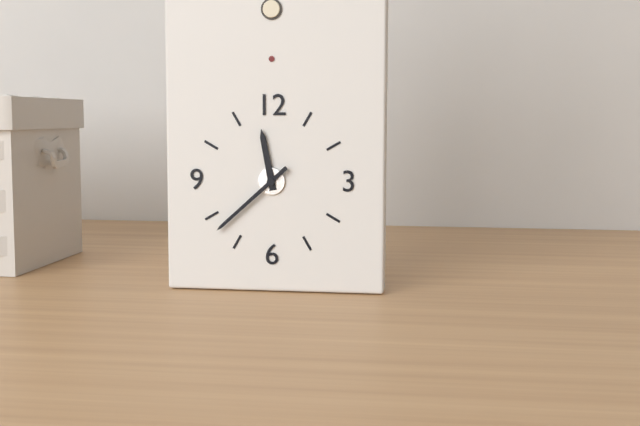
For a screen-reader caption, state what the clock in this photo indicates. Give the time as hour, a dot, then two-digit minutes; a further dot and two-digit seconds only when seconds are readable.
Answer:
11.38
